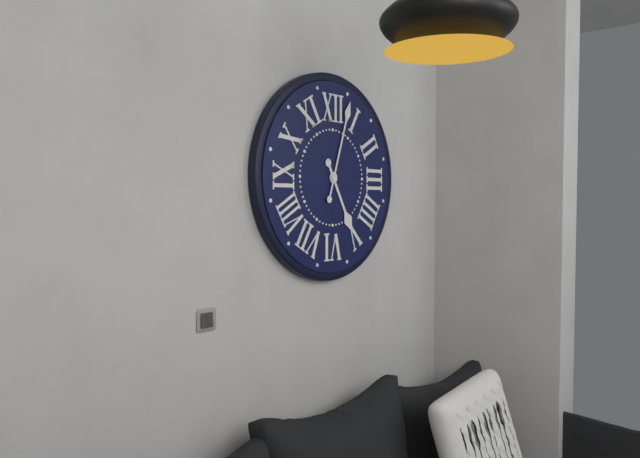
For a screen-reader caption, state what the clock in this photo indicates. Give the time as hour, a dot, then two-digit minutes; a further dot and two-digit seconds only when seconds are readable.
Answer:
5.03
